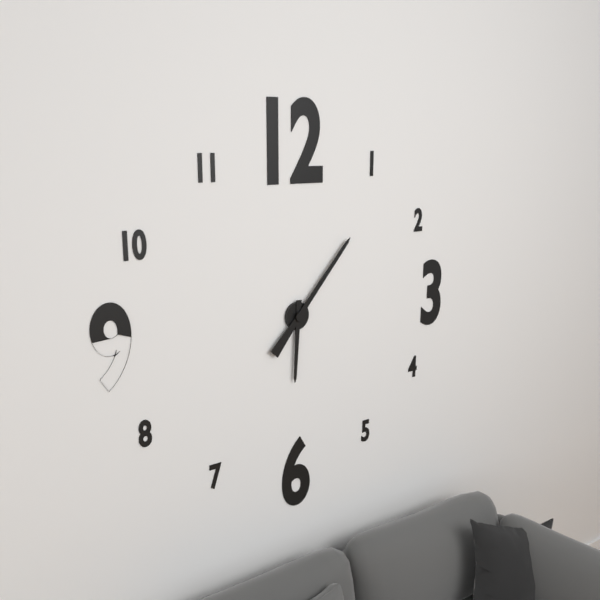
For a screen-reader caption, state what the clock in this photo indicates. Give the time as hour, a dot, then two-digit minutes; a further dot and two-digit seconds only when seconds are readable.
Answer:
6.07
